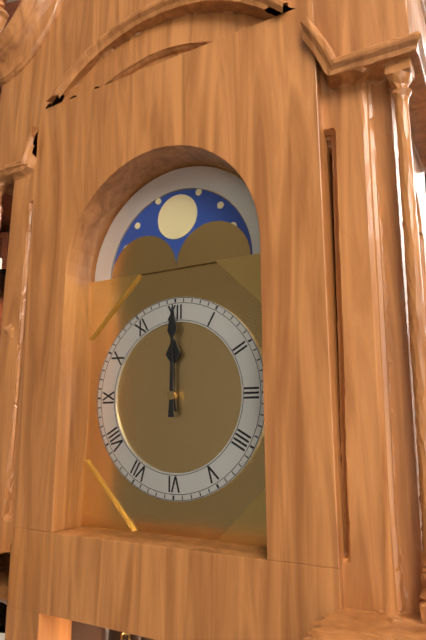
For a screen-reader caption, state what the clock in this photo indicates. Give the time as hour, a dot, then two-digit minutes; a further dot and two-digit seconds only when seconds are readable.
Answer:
12.00
